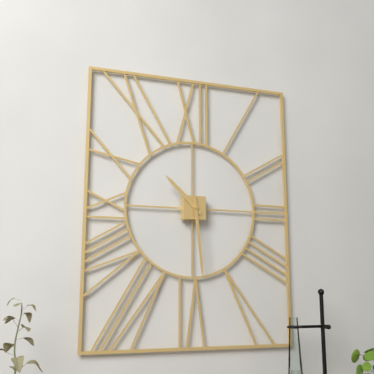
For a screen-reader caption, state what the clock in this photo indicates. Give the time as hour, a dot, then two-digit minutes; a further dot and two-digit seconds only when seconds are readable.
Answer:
10.29
